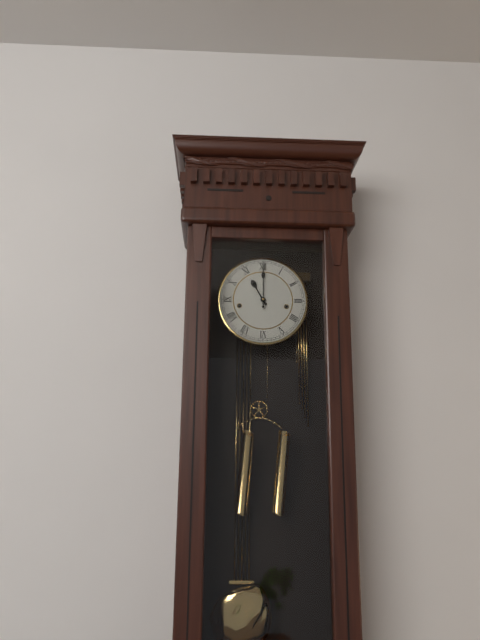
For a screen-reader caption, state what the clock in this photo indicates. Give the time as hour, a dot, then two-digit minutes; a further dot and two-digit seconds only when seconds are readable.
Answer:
11.00
